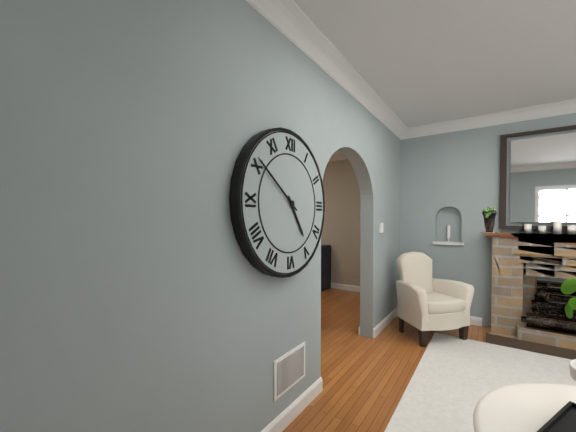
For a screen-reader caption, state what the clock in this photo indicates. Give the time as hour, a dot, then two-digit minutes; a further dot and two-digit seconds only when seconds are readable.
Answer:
4.51
